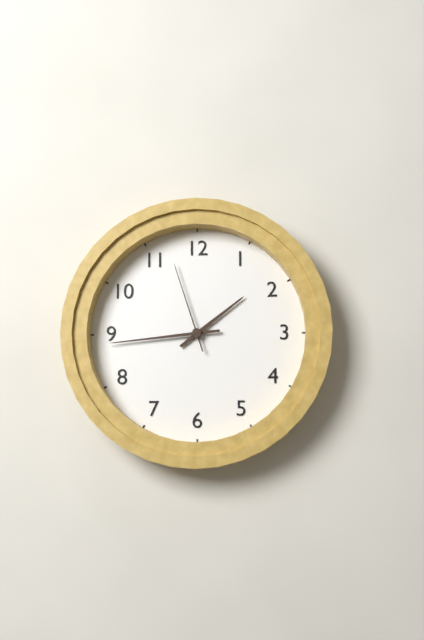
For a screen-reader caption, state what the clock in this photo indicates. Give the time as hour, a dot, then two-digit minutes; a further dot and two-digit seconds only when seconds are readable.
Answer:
1.44.57
